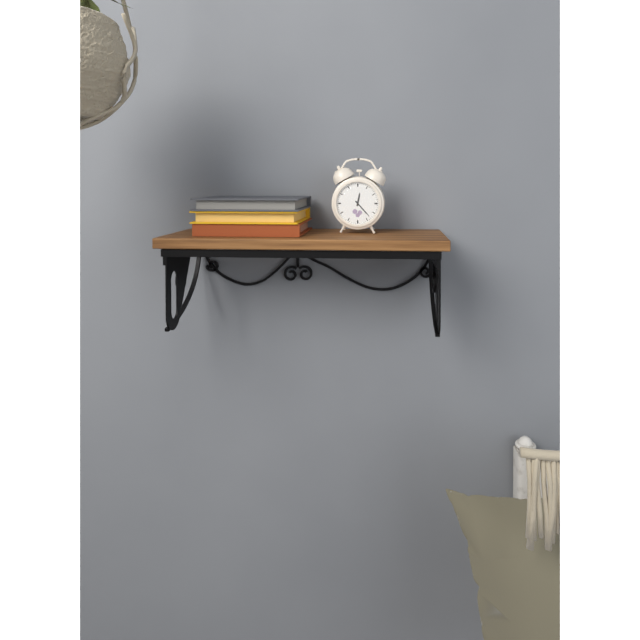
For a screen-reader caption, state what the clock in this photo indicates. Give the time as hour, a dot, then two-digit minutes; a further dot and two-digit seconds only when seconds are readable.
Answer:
12.23
